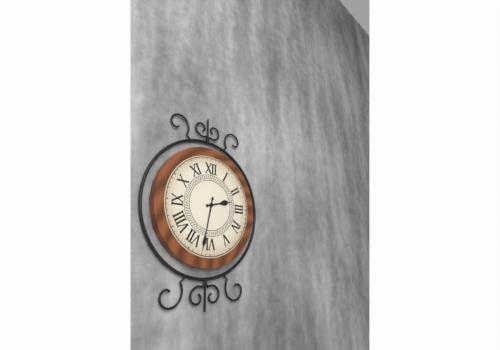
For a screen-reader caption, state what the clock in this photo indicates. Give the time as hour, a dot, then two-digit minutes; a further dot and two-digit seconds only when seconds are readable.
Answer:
2.32
